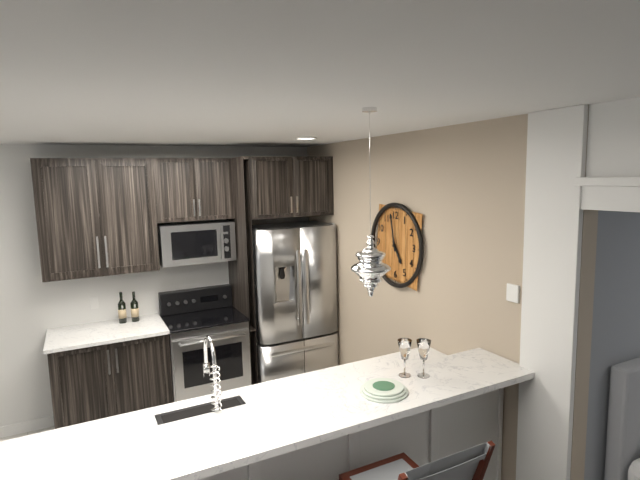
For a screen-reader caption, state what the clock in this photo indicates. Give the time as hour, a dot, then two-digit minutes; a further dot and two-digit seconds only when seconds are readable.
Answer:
4.58
